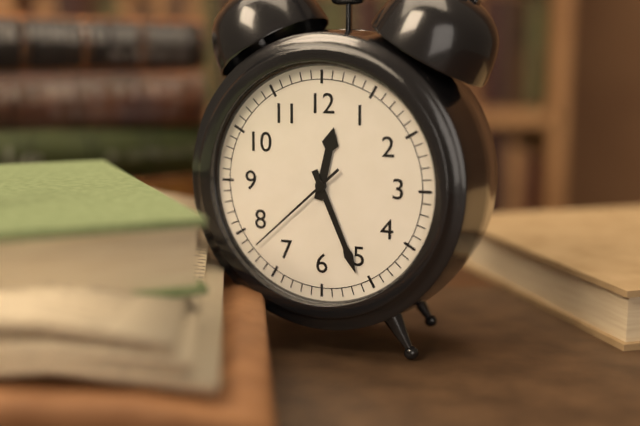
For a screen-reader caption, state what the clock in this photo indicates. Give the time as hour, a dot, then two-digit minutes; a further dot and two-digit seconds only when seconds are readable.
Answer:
12.26.38
